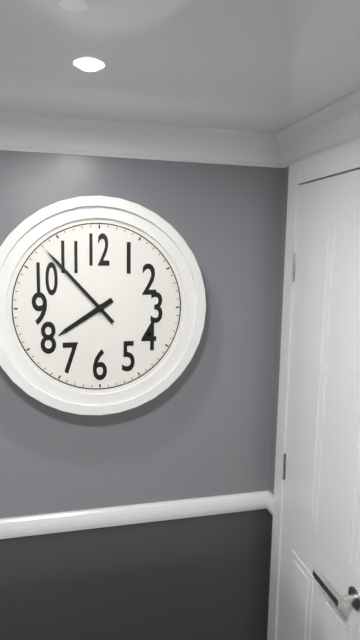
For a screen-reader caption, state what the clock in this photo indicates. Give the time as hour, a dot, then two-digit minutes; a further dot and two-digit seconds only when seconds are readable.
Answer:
7.53
